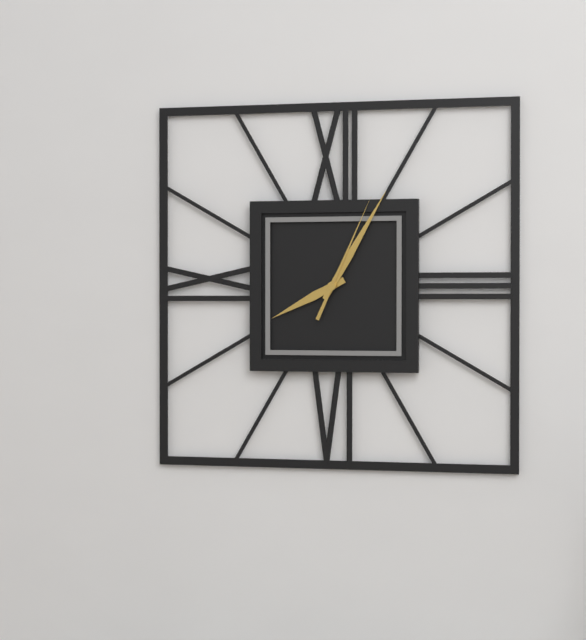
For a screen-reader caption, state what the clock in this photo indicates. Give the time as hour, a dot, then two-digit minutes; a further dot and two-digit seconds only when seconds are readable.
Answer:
8.05.04
